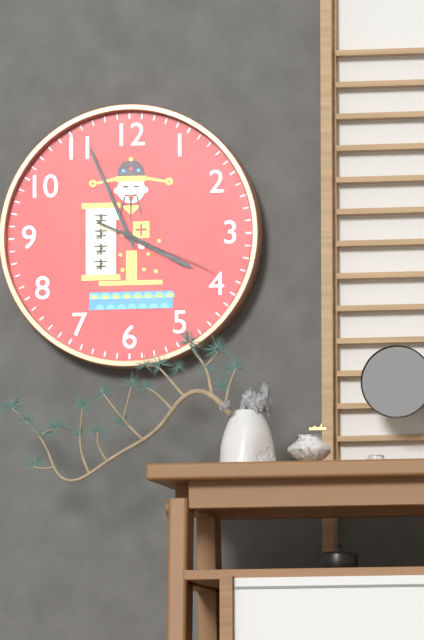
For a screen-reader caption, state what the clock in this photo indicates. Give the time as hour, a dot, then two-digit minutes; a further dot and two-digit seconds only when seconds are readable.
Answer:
3.56.19
